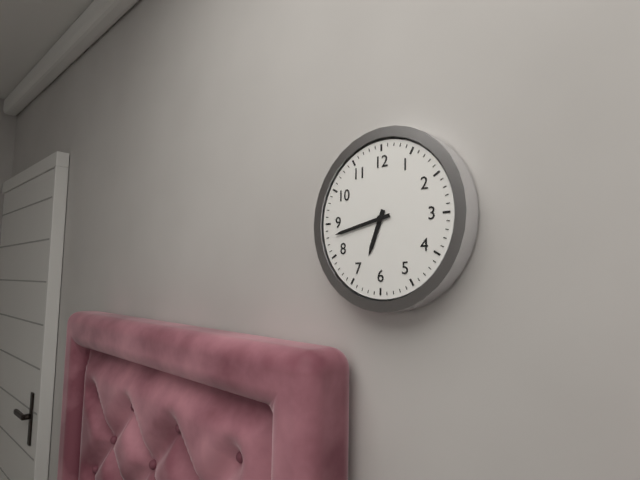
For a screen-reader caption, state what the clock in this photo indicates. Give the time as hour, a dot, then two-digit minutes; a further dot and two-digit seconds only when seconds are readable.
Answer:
6.43
